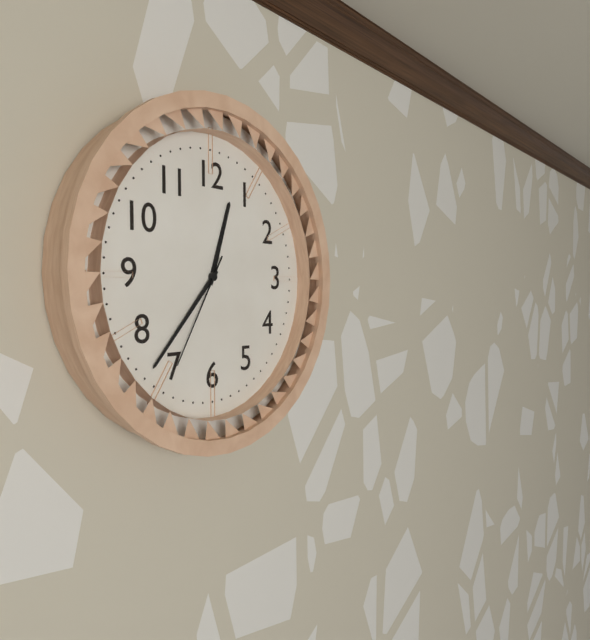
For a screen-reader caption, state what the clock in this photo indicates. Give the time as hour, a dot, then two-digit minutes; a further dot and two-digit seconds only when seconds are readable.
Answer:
12.37.35
